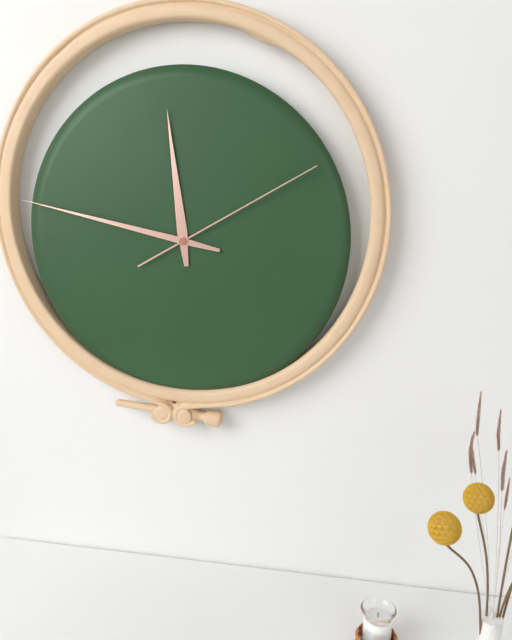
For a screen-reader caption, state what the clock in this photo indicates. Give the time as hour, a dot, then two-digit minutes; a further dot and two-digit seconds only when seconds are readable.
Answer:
11.47.10
